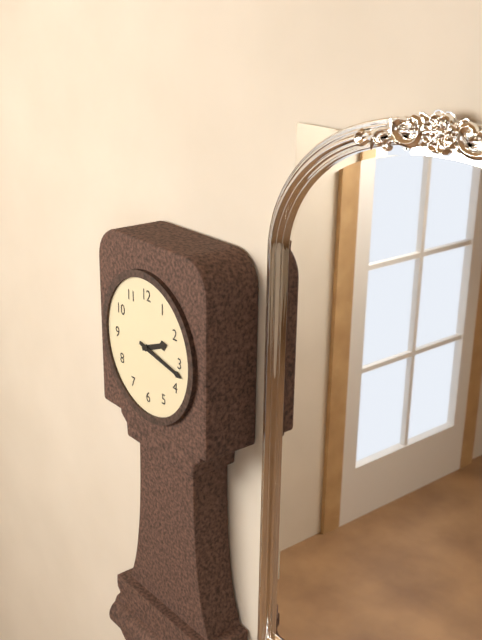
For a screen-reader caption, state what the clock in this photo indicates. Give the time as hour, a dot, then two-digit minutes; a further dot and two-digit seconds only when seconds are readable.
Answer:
2.17
